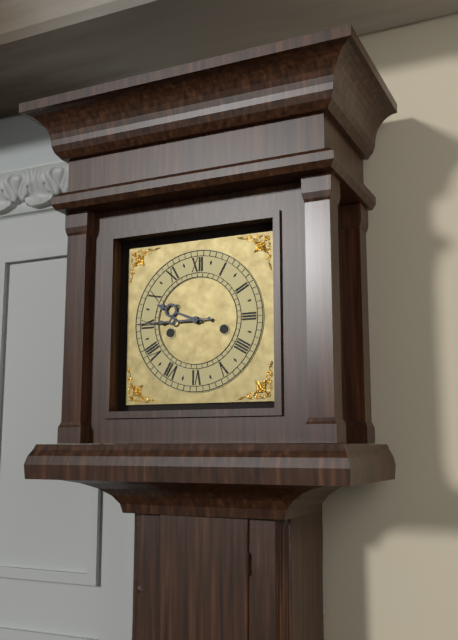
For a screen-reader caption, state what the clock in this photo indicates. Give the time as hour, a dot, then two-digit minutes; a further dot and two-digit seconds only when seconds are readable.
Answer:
9.45
